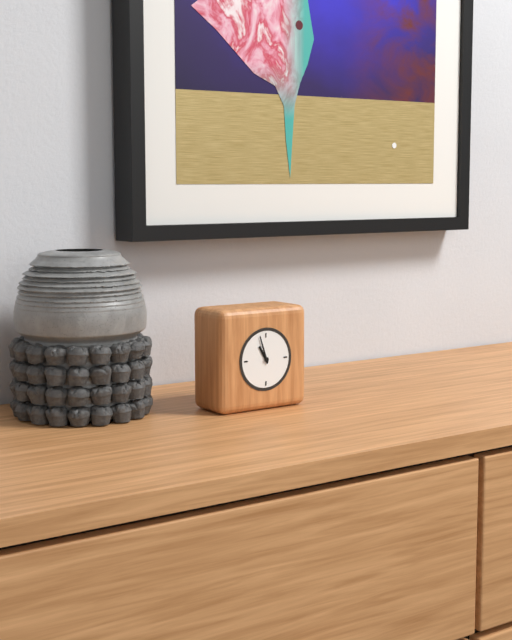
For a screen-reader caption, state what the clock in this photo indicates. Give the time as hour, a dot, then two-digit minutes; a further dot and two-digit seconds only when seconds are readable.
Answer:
10.57
